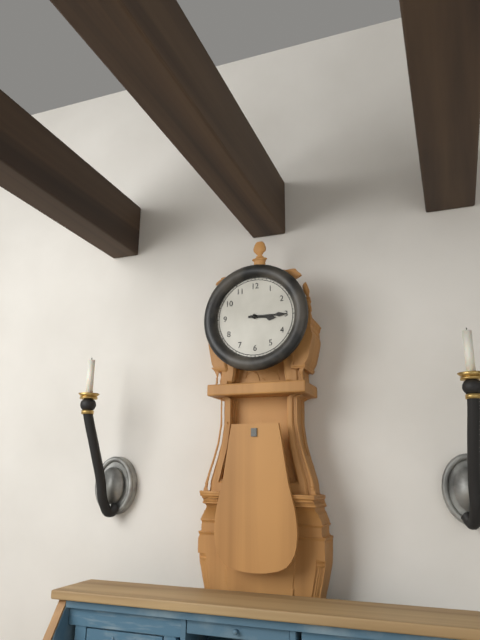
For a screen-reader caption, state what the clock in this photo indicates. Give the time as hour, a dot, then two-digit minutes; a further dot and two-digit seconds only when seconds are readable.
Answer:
3.15
